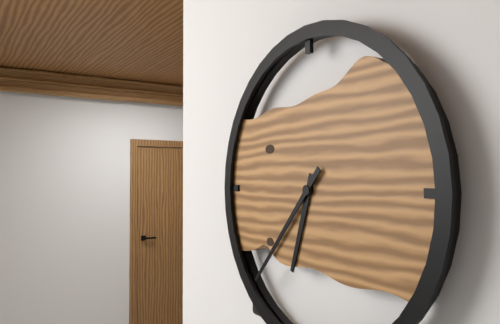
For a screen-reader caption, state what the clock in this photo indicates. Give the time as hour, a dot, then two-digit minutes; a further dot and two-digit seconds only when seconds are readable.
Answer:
6.37
